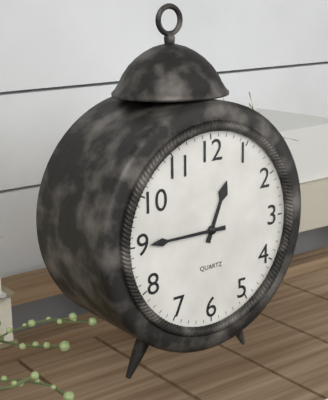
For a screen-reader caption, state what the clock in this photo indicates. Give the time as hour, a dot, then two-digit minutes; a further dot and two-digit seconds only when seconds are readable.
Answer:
12.45
